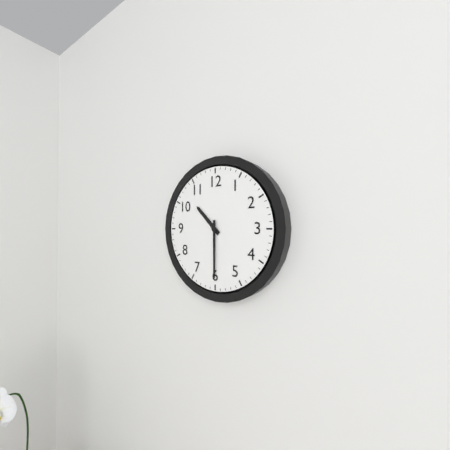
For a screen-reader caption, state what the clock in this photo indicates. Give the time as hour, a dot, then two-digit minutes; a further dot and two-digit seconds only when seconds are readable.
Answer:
10.30
